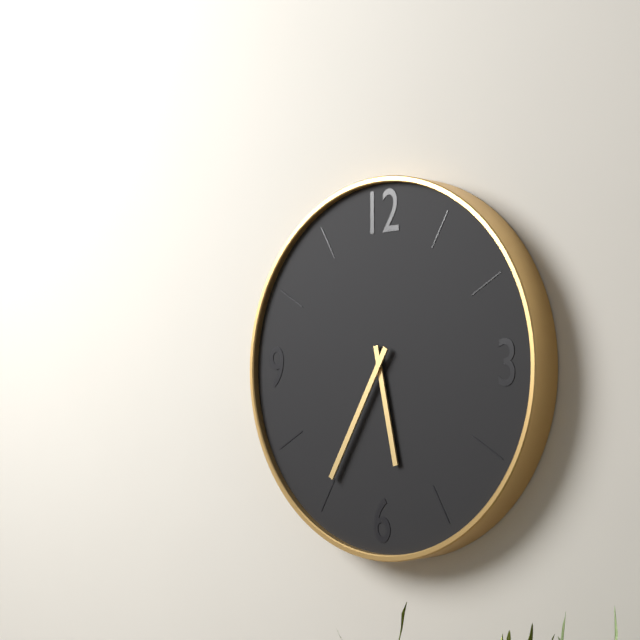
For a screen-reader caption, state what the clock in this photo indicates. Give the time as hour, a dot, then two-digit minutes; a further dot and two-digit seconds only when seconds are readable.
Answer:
5.35
